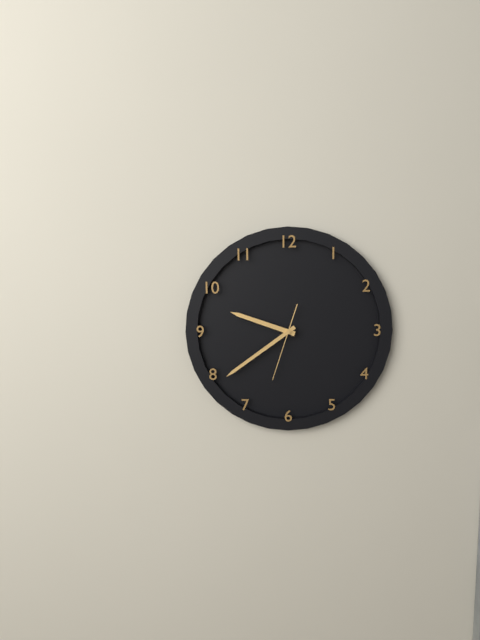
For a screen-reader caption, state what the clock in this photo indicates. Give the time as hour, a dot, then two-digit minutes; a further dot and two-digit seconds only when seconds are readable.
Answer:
9.39.33
